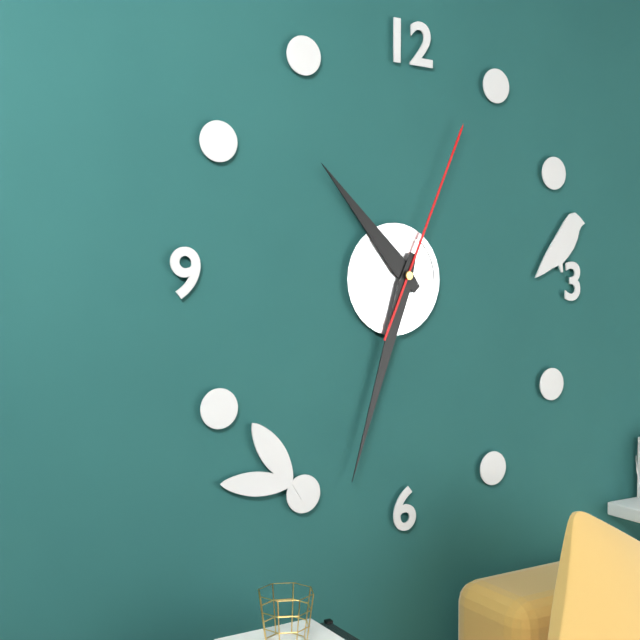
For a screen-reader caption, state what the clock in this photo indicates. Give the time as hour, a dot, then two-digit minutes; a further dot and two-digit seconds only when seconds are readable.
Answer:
10.33.04
